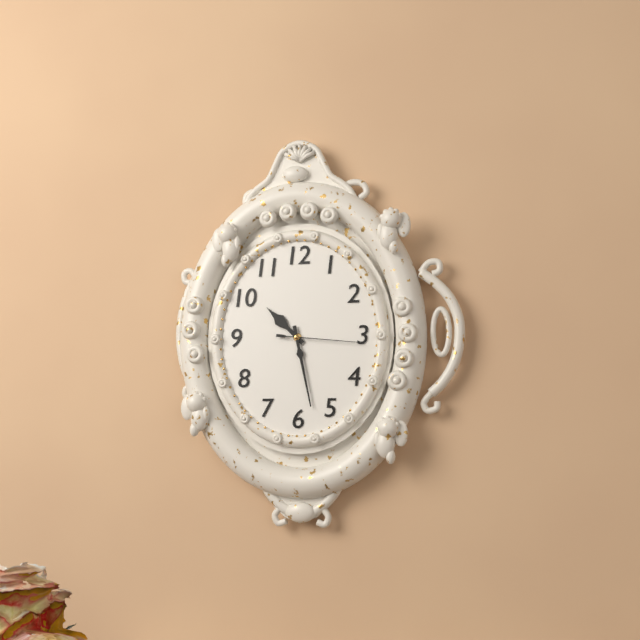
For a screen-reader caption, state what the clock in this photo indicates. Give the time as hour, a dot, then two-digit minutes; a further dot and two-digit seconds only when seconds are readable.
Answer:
10.28.16
